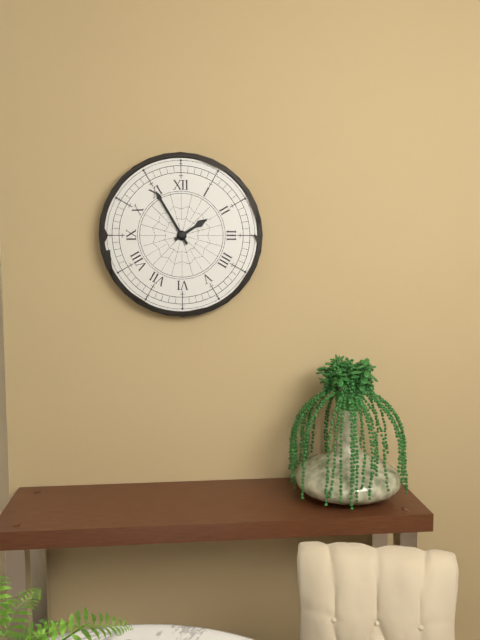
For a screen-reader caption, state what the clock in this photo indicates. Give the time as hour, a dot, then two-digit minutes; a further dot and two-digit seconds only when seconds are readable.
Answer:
1.55
